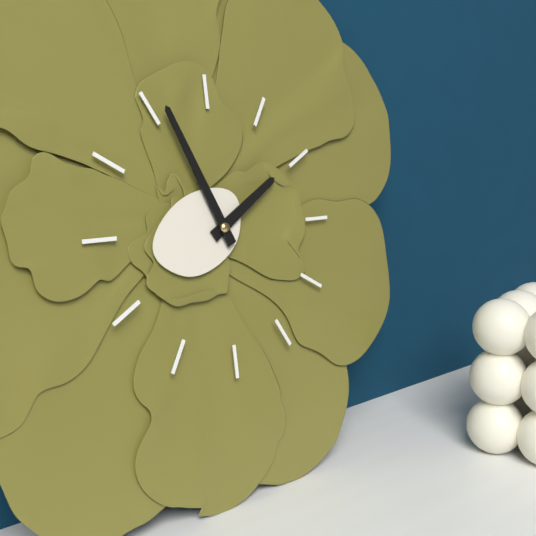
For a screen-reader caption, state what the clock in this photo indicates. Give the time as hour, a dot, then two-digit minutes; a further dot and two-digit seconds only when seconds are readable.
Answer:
1.56
